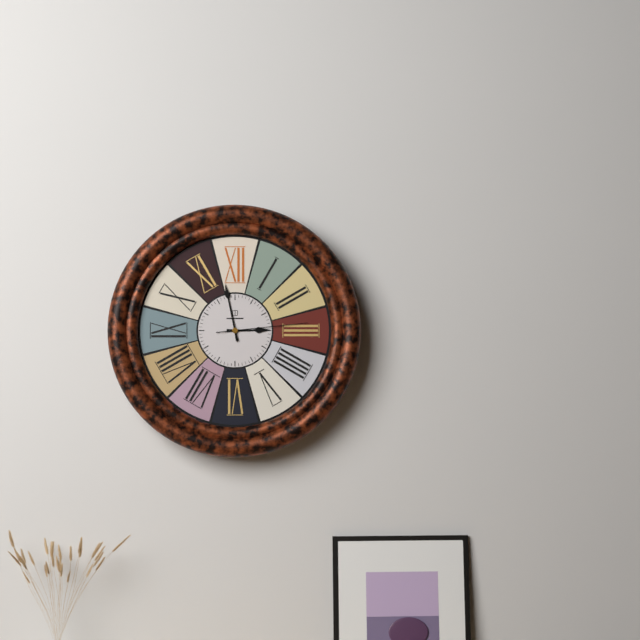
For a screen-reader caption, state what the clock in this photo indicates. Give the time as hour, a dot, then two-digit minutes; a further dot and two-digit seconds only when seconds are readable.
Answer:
2.58.14
